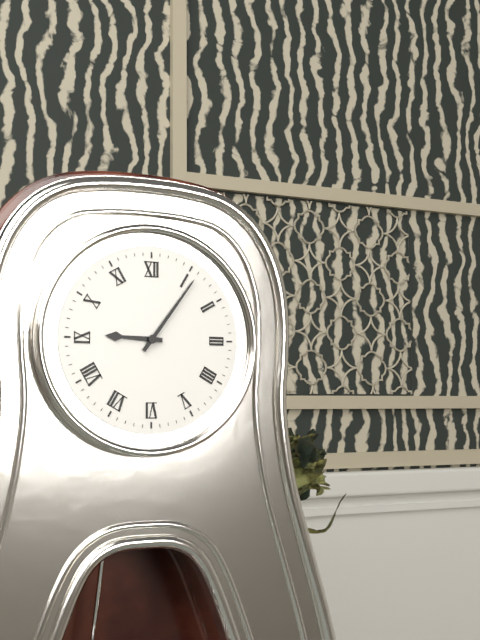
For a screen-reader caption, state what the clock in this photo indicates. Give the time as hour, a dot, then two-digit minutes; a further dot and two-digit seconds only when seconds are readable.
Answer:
9.06
